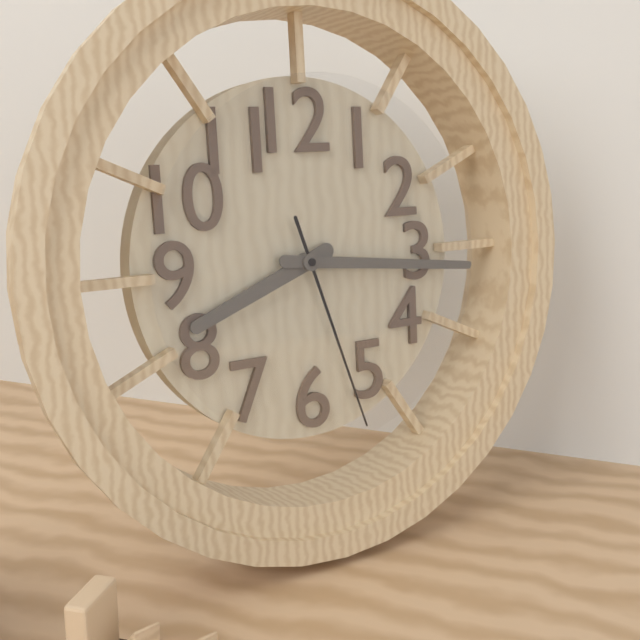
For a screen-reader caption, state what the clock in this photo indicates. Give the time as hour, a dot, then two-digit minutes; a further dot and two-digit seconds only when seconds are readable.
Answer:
8.16.27
